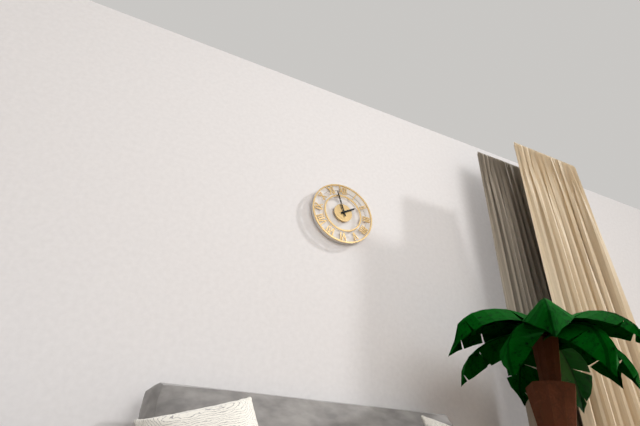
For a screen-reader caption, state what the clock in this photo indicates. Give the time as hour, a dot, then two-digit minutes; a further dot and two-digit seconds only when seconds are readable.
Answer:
1.57
